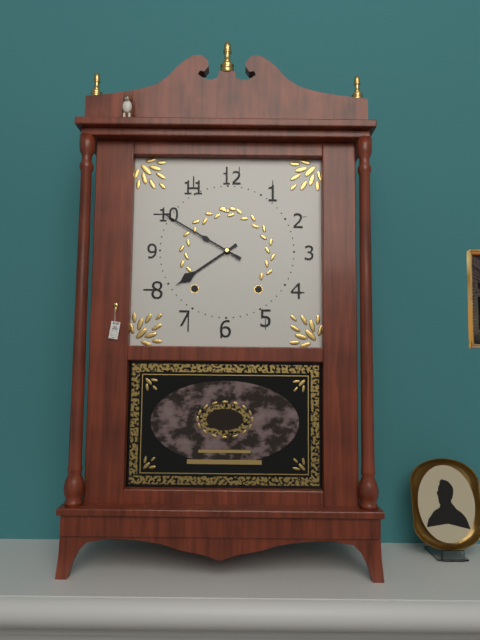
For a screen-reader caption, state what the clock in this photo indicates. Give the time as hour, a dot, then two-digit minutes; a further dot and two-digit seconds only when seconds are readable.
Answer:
7.50
